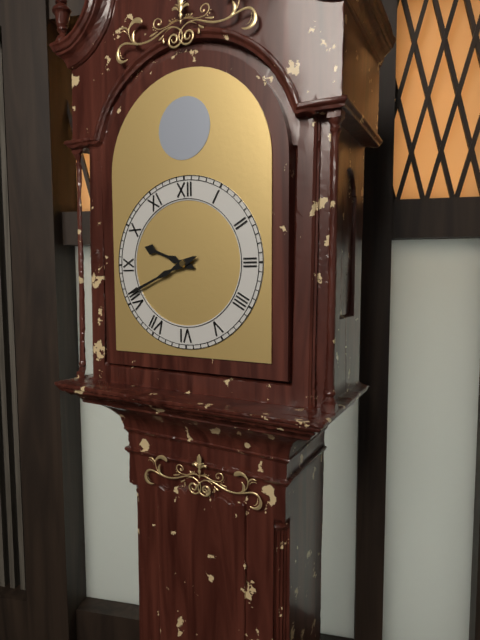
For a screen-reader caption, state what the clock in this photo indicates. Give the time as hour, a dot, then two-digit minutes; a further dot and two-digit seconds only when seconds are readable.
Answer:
9.41
